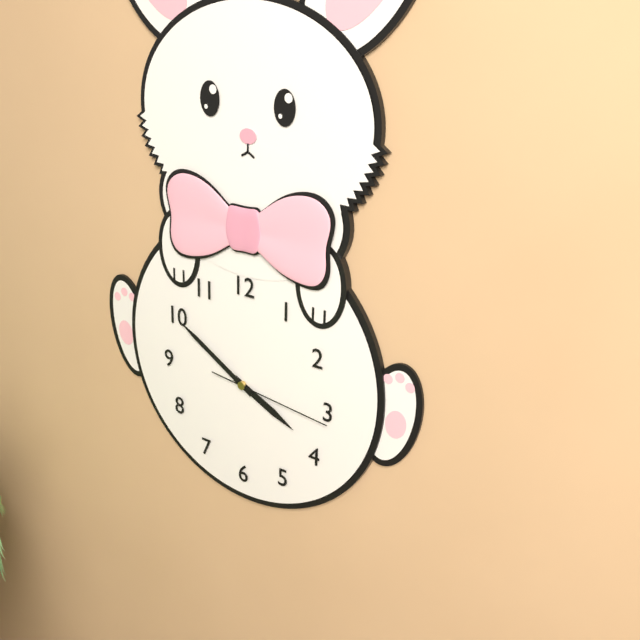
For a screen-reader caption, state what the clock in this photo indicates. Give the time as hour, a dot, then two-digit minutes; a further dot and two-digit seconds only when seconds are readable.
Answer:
3.50.16
